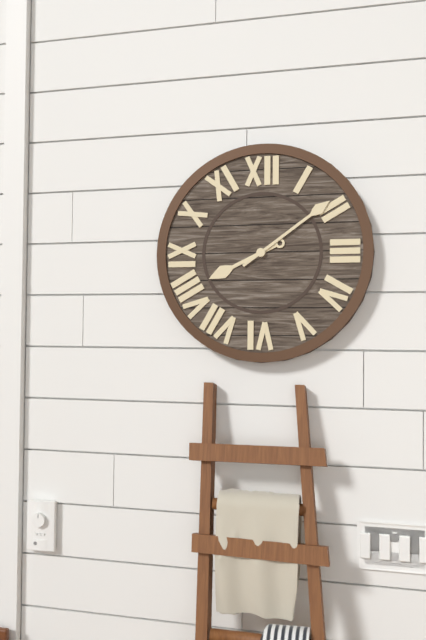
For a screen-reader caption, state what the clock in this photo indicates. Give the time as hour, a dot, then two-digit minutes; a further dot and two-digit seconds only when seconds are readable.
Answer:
8.09
